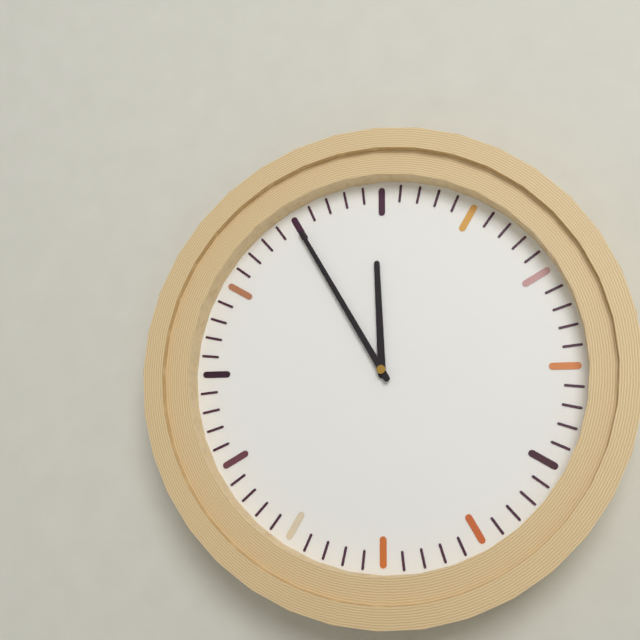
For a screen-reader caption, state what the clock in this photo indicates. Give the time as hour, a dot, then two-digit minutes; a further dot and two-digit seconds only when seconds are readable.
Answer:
11.55
